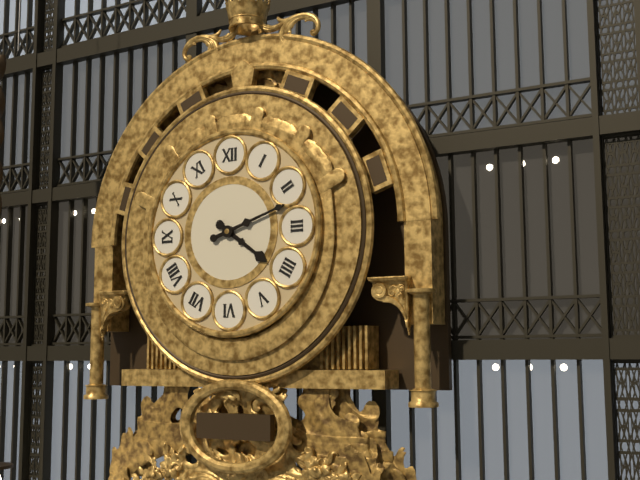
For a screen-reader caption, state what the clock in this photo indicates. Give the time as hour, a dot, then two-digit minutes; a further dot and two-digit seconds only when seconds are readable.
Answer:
4.12
